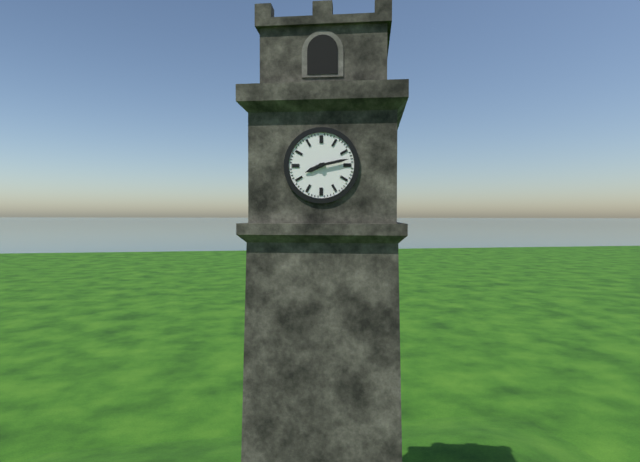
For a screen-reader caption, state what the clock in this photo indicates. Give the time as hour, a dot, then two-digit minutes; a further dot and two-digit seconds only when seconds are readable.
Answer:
8.13
